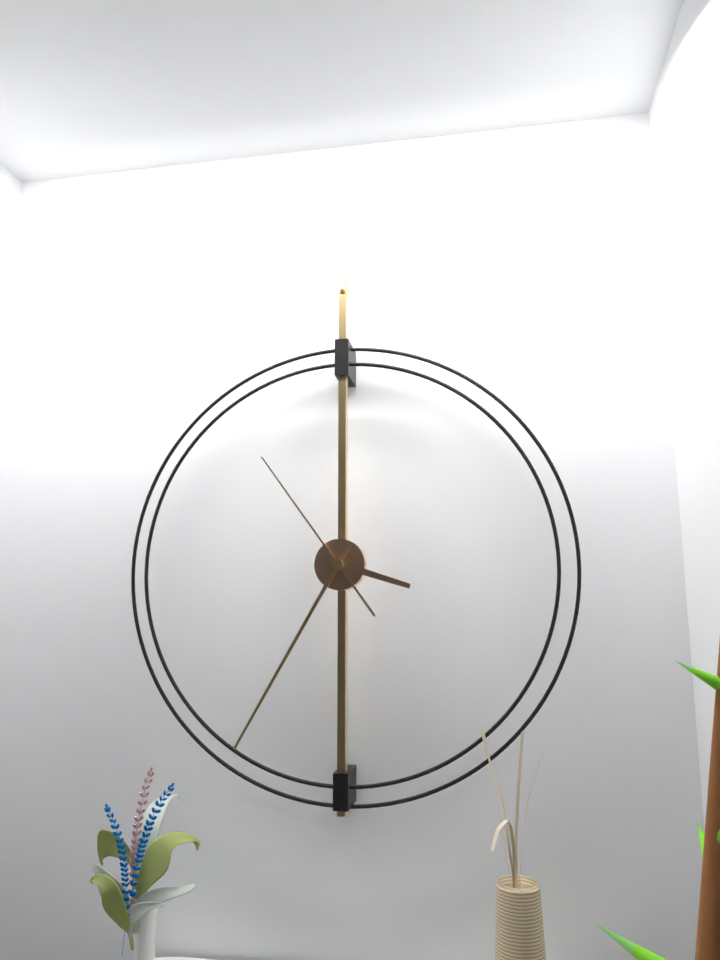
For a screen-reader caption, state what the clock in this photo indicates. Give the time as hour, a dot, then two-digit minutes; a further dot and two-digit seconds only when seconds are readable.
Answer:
3.35.54
